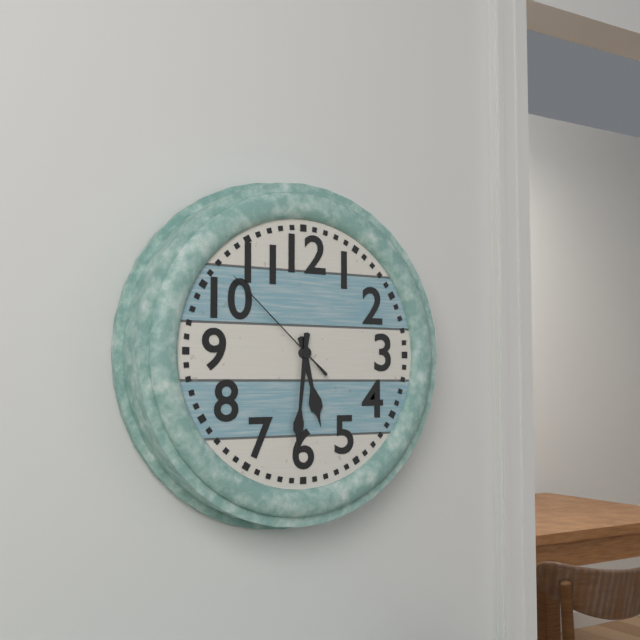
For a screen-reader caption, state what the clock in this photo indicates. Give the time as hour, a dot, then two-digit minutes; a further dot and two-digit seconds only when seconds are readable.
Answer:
5.31.52
